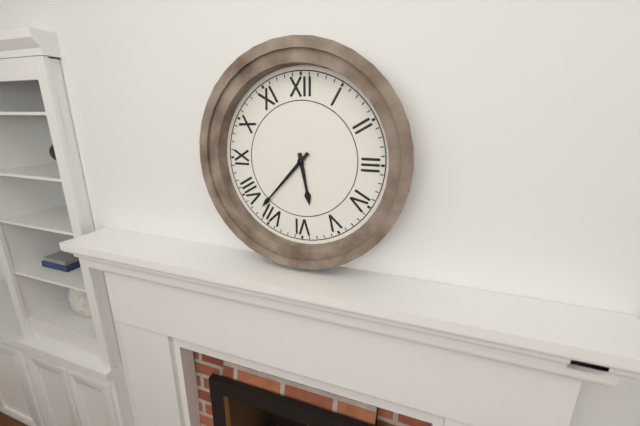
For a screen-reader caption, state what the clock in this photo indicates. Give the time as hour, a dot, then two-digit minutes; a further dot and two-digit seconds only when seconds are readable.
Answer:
5.37
